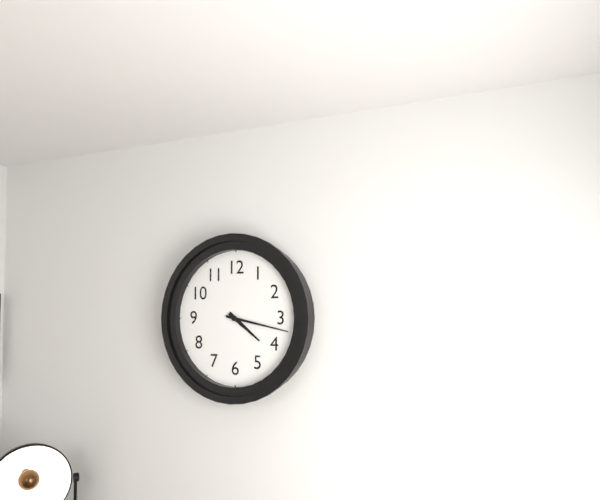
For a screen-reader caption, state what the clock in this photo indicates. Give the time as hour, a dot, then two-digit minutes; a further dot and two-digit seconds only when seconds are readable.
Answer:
4.17
